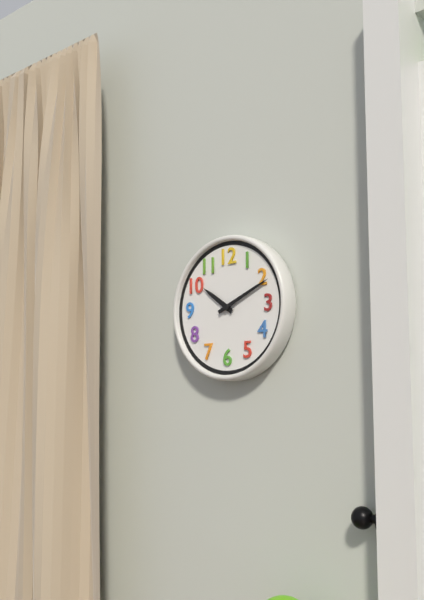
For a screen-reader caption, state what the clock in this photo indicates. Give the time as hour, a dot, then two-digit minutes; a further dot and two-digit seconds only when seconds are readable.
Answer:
10.11
